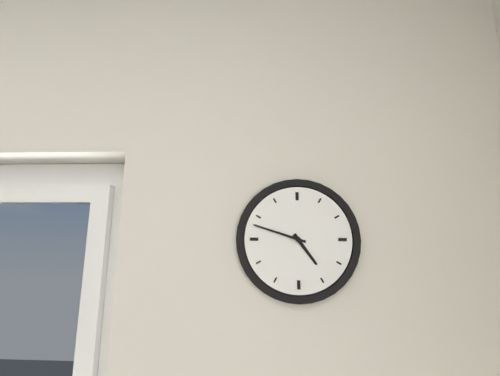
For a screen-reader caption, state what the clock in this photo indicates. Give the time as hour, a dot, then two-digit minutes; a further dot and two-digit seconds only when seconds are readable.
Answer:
4.48
